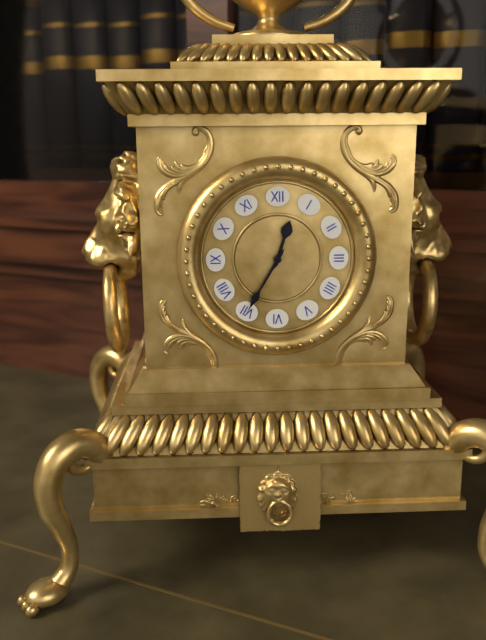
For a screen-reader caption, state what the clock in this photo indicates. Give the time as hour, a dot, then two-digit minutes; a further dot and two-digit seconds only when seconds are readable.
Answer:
12.35
